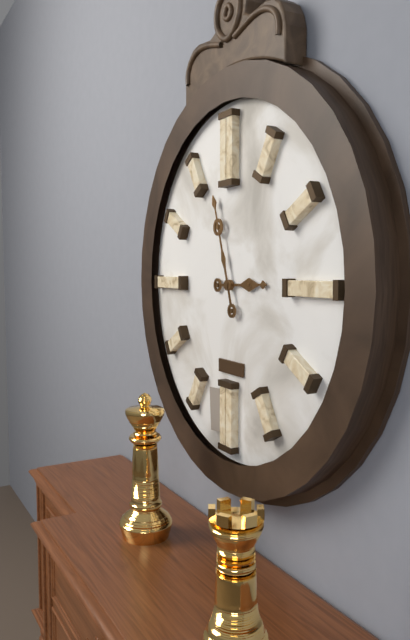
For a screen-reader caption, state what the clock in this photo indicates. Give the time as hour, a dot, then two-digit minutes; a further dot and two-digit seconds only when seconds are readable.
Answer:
2.57
